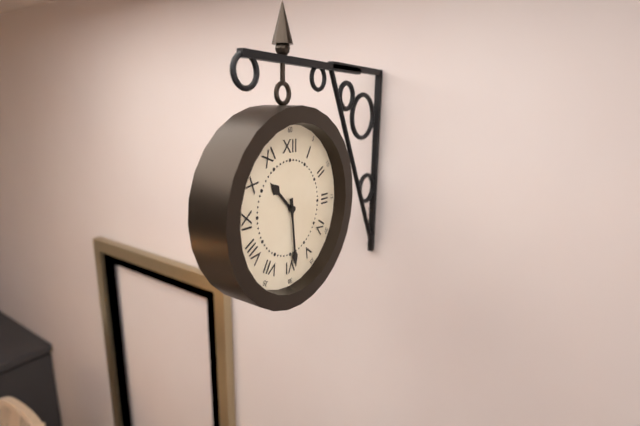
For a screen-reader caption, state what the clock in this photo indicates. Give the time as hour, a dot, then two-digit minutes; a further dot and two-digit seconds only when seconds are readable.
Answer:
10.29
